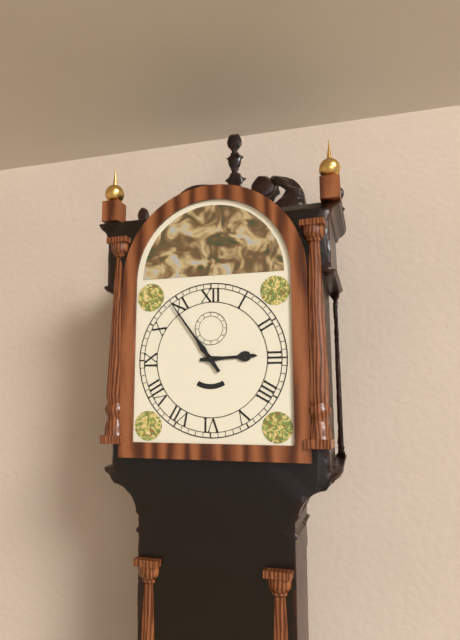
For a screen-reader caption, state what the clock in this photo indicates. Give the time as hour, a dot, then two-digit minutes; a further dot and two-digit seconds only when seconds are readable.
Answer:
2.54
